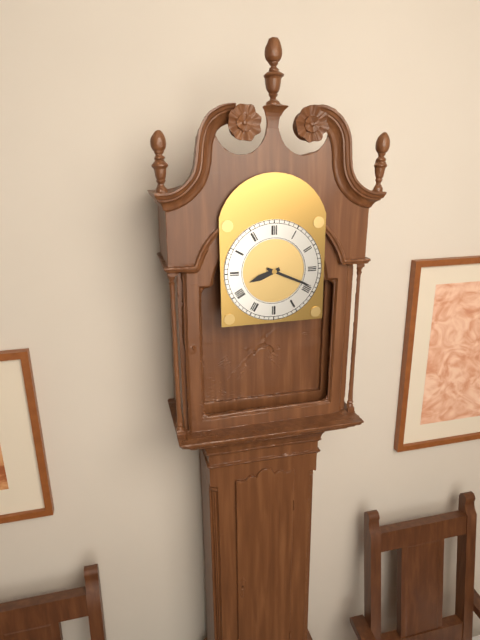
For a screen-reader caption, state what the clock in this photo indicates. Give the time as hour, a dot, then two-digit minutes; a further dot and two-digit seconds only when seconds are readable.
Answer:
8.19
